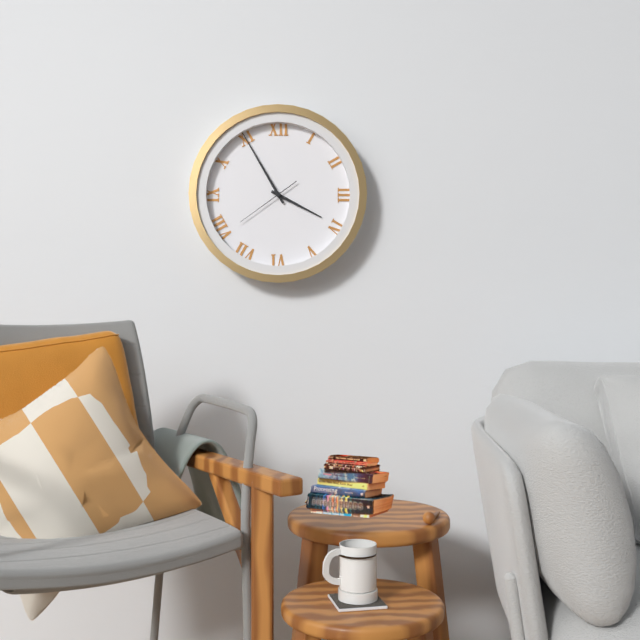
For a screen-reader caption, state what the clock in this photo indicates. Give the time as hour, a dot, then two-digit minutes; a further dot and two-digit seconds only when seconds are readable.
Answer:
3.55.39
